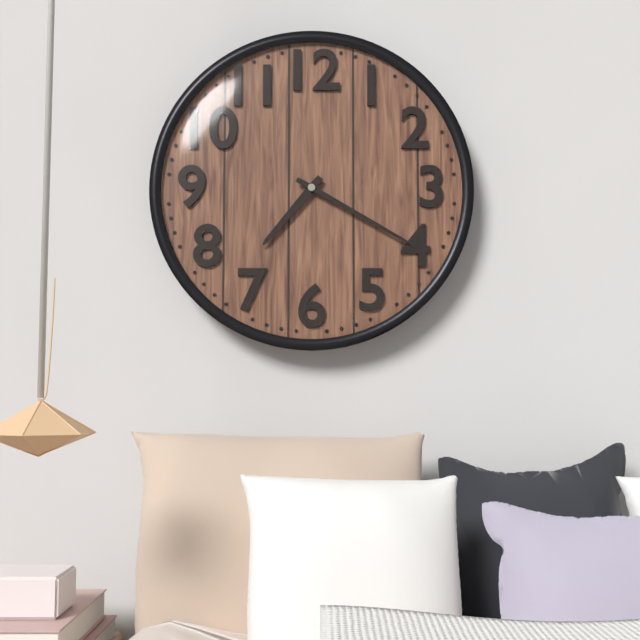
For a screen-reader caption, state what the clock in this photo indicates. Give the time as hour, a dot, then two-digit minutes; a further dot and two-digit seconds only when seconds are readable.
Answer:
7.20
